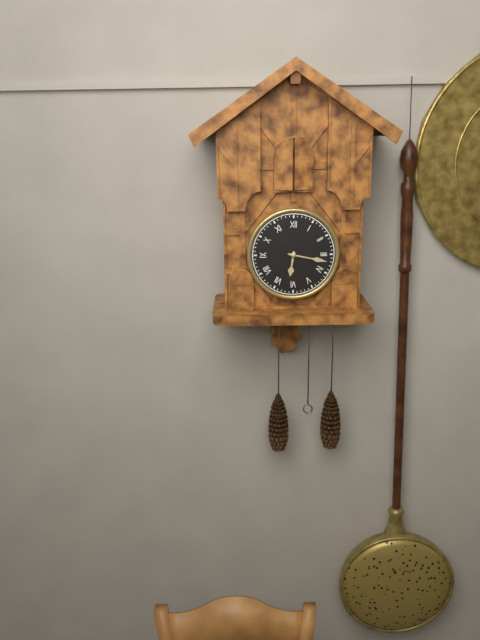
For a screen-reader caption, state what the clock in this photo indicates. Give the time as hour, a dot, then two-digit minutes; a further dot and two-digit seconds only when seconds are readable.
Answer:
6.17
